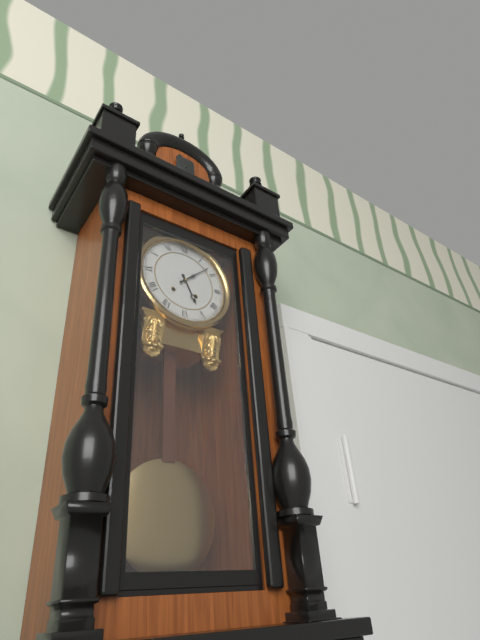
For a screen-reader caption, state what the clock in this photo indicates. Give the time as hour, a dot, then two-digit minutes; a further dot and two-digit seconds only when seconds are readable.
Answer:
5.08
